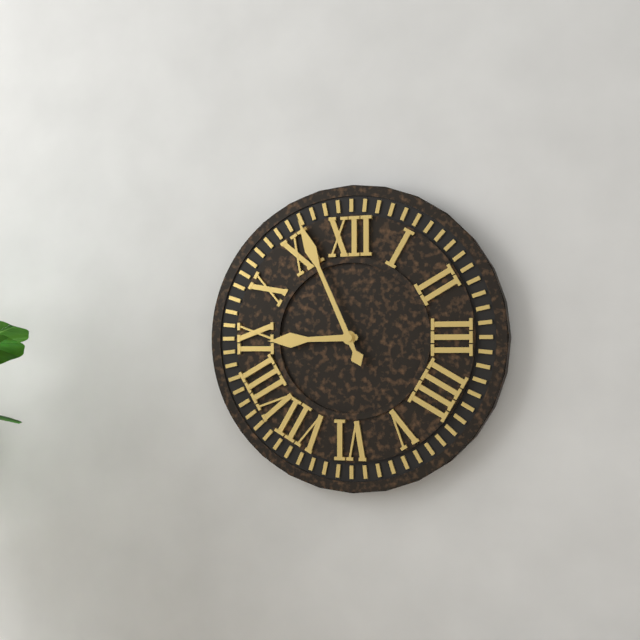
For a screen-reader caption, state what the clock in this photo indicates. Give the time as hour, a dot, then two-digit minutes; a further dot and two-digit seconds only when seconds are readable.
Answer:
8.56
